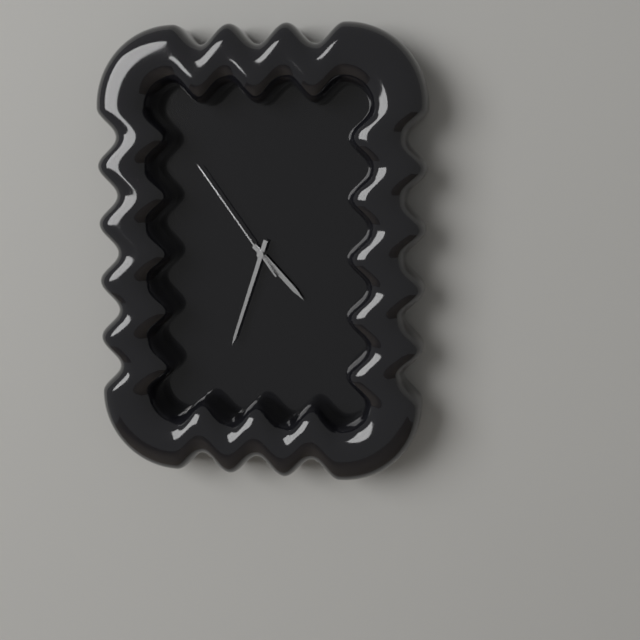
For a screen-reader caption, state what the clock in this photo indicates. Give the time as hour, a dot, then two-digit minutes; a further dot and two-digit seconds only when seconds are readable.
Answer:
4.33.54
